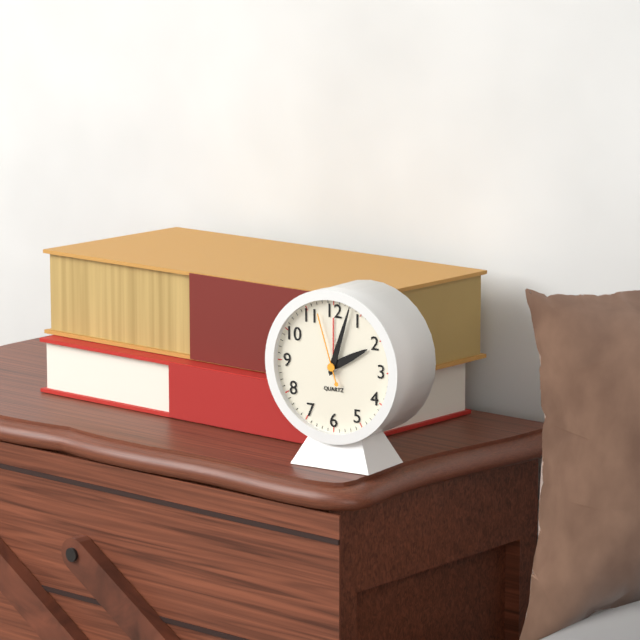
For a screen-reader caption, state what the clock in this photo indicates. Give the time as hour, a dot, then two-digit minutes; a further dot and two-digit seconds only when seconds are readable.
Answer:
2.03.57
